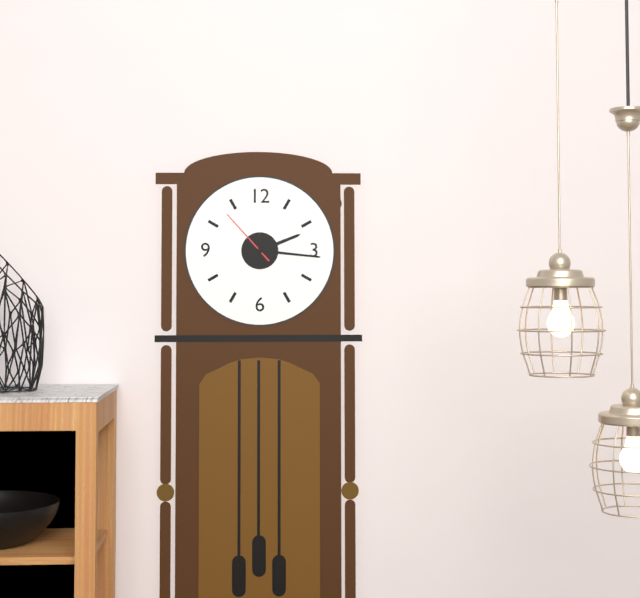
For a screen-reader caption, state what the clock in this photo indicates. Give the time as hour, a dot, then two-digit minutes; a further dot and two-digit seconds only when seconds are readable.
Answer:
2.16.53
